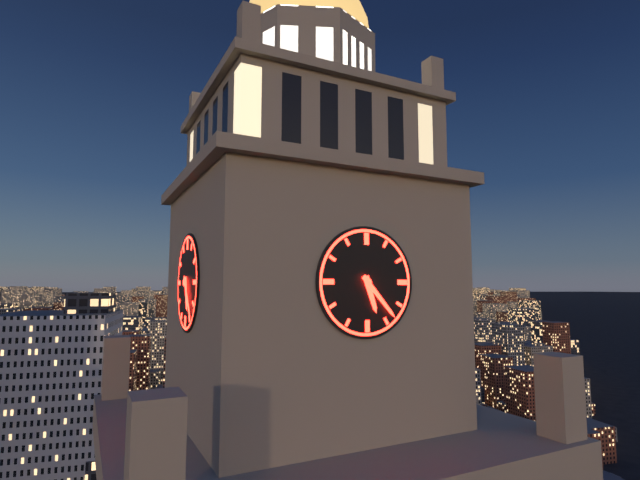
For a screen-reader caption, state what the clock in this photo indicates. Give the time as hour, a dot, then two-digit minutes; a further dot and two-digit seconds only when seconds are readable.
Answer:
5.23
